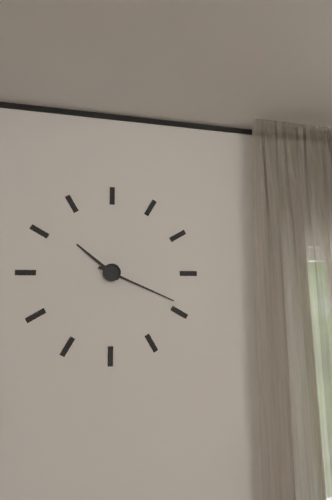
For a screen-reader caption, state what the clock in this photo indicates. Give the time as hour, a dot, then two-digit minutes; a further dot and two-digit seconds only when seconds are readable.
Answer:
10.19
